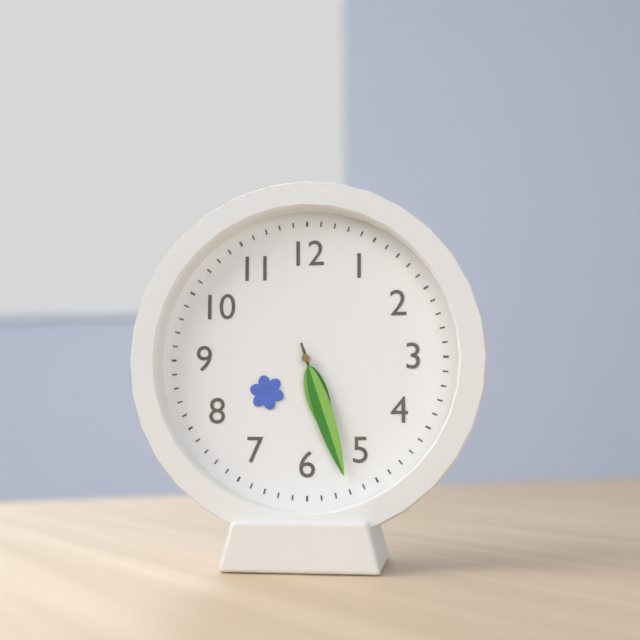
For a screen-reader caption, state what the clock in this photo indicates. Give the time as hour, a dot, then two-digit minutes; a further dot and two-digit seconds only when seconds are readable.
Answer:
5.27
